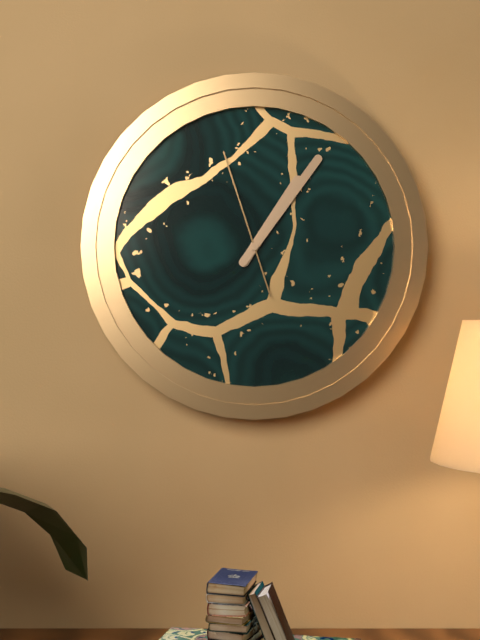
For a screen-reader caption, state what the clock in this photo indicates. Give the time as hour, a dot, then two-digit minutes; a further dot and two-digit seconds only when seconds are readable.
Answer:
1.06.57
